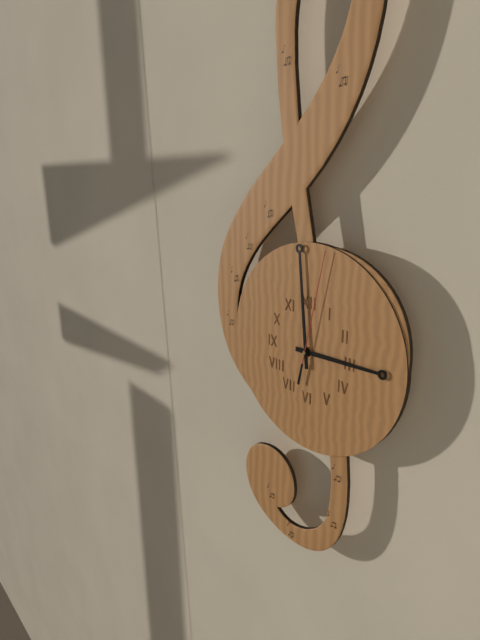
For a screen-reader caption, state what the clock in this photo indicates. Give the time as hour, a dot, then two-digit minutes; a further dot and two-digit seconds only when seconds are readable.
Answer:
2.59.02
